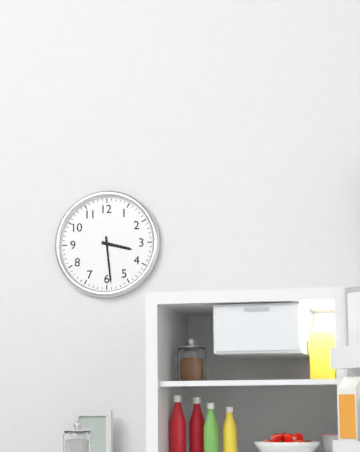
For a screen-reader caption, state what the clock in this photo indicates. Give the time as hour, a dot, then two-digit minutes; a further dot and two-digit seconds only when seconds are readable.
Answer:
3.29
